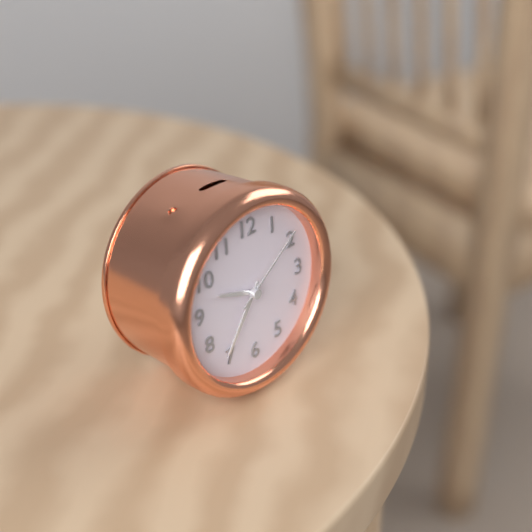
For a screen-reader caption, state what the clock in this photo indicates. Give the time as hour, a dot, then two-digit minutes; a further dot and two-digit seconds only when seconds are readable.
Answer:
9.36.09
